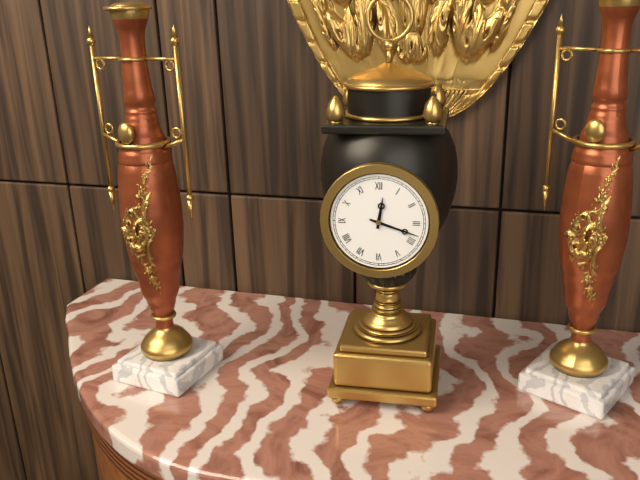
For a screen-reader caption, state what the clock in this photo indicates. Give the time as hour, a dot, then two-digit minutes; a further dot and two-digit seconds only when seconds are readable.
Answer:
12.18
